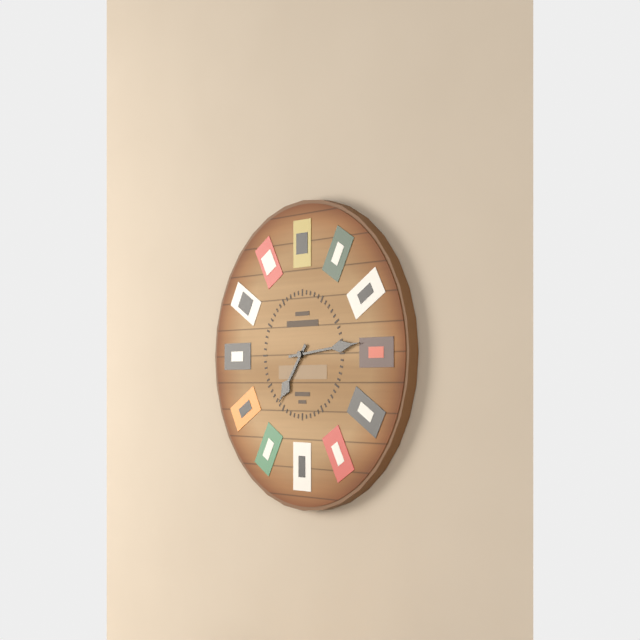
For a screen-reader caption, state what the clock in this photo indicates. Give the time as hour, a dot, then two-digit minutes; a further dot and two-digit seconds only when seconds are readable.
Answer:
7.14
